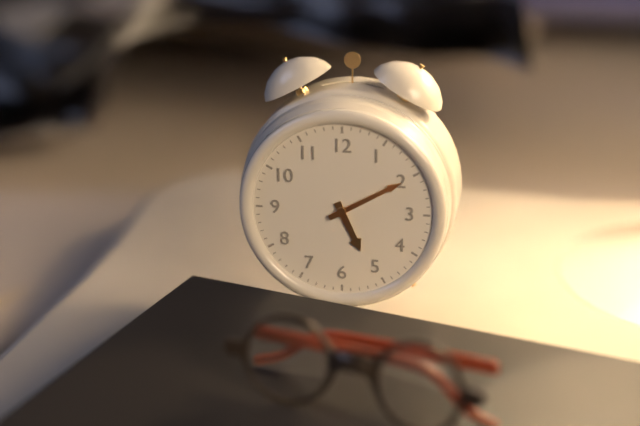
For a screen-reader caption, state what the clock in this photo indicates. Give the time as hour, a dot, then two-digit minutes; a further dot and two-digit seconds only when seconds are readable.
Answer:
5.10
